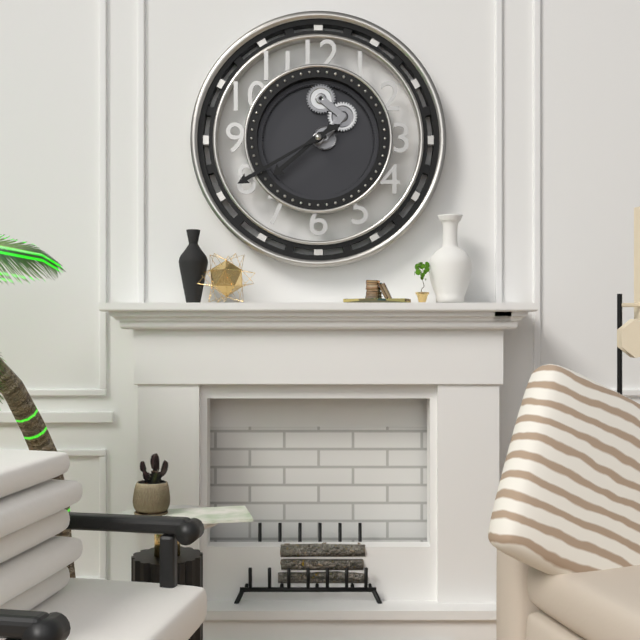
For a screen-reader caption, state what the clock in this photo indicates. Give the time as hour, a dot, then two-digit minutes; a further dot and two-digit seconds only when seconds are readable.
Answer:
7.40
